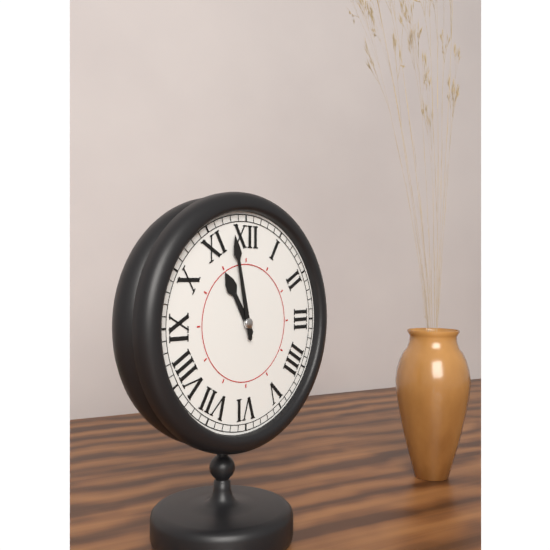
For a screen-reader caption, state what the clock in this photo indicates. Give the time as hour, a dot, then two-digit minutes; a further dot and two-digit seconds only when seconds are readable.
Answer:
10.58
